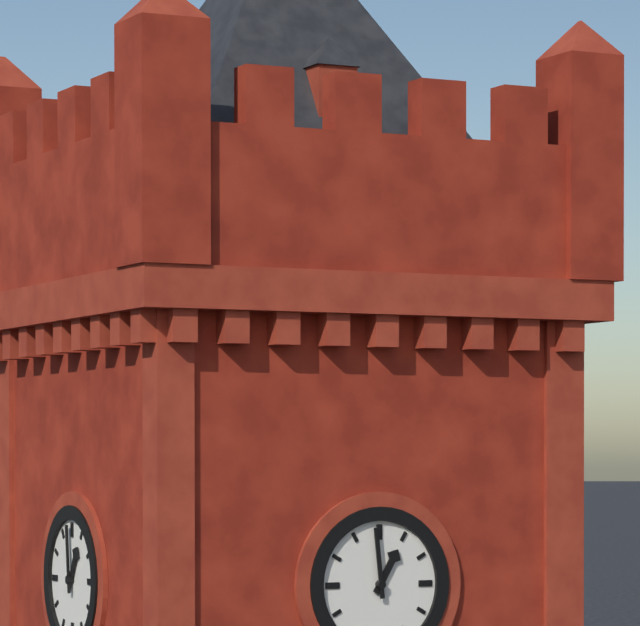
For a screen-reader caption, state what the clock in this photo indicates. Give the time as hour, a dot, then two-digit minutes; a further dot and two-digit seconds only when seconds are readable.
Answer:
12.59
